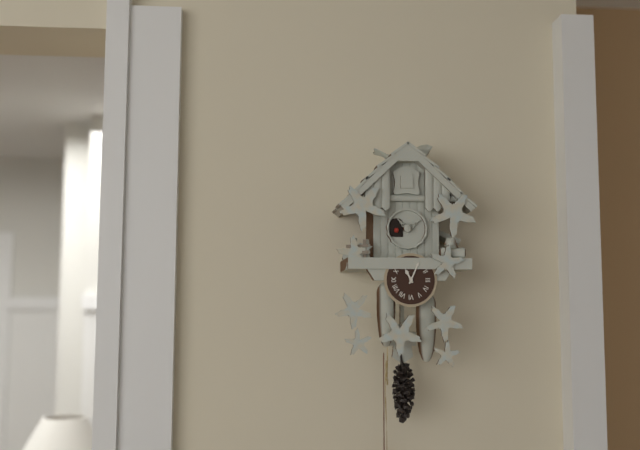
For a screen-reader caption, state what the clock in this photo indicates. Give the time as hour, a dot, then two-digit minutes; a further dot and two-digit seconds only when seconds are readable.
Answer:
11.04
